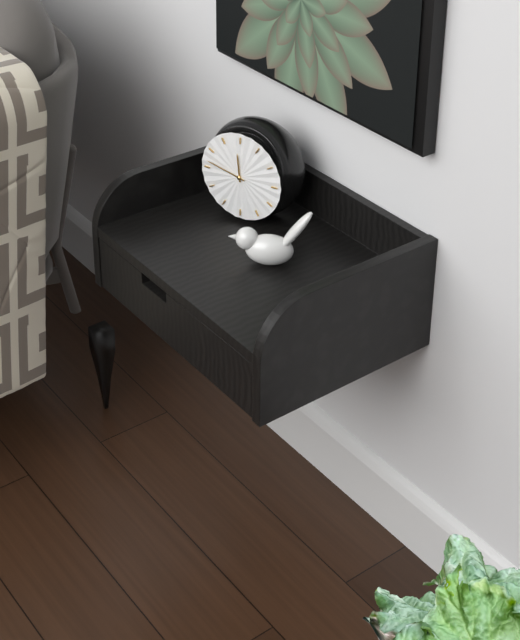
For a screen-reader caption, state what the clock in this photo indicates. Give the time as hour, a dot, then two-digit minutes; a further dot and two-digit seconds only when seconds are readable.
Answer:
11.47
